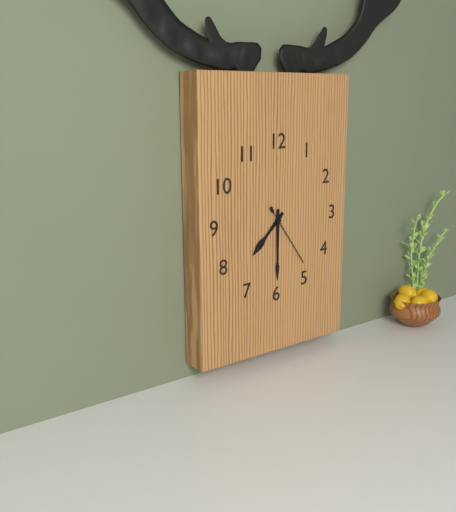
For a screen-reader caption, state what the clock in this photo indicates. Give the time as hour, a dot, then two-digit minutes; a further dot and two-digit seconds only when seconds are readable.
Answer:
7.30.24
